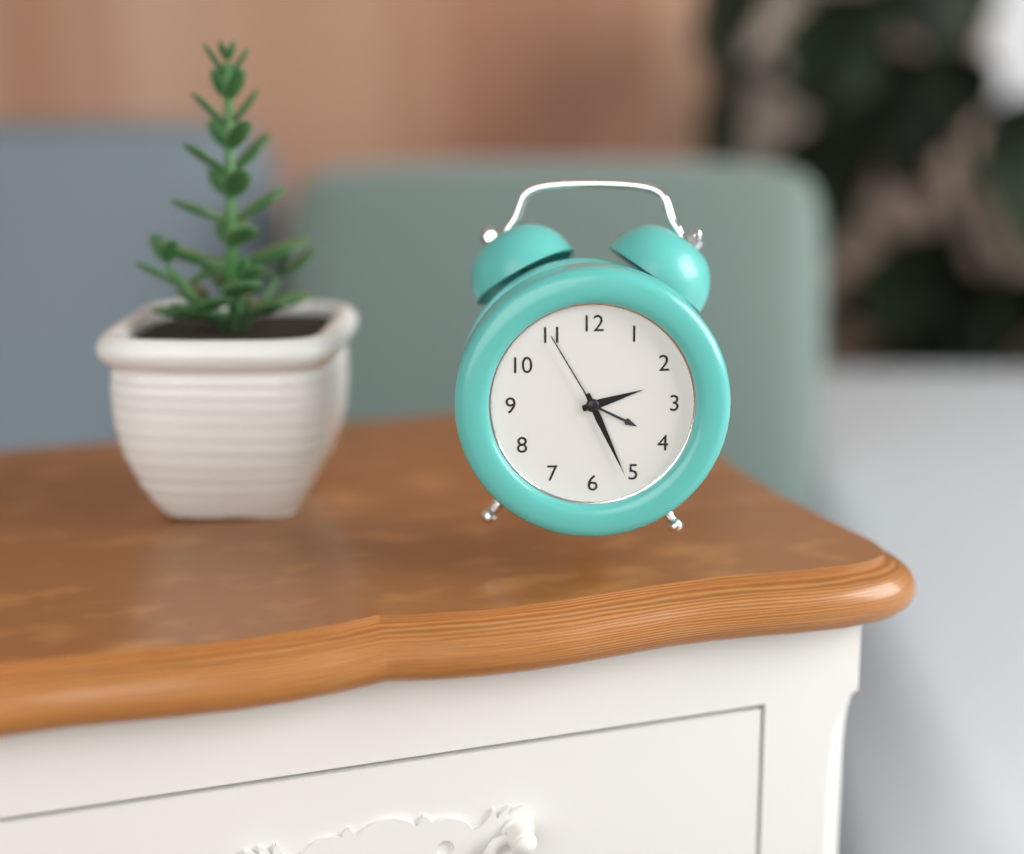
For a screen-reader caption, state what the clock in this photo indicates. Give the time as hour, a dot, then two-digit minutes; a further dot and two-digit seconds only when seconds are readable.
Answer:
2.26.55
